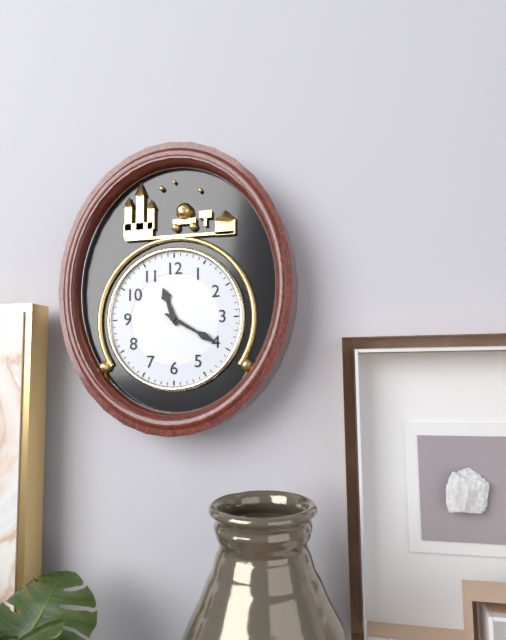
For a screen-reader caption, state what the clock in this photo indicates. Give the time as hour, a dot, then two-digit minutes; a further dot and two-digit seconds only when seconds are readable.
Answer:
11.20
